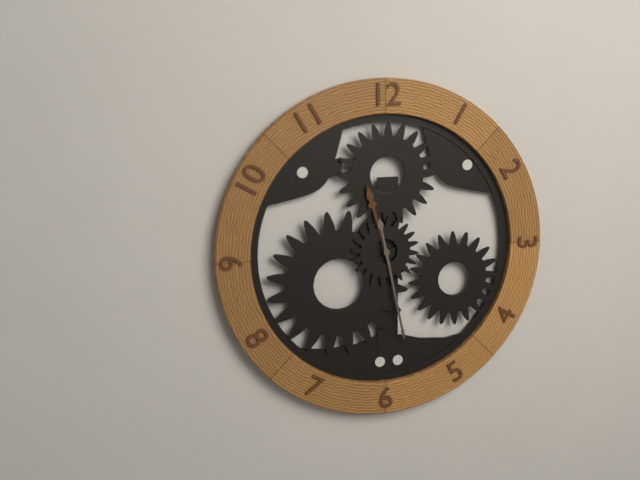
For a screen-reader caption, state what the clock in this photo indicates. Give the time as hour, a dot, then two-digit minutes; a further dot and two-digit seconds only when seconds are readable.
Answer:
11.28
